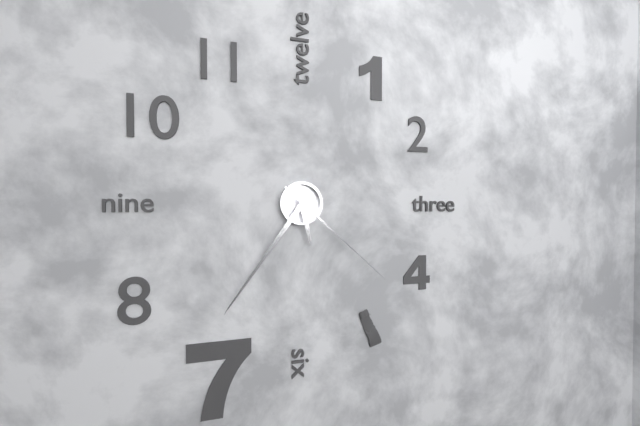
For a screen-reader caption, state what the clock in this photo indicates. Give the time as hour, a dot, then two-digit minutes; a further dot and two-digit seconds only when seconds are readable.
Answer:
5.36.22
